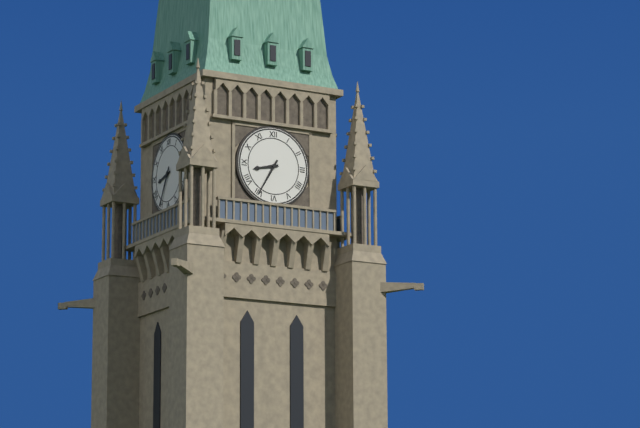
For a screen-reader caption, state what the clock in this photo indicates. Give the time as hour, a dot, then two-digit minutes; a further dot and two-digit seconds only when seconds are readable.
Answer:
8.35
